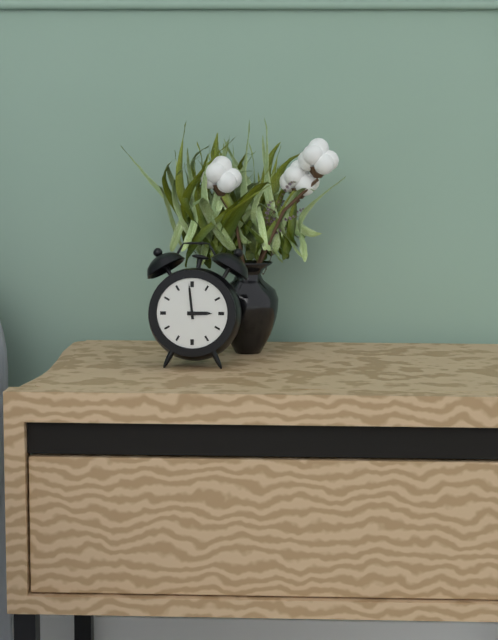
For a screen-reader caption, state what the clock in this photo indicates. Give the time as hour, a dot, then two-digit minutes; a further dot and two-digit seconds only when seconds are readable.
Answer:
2.59
